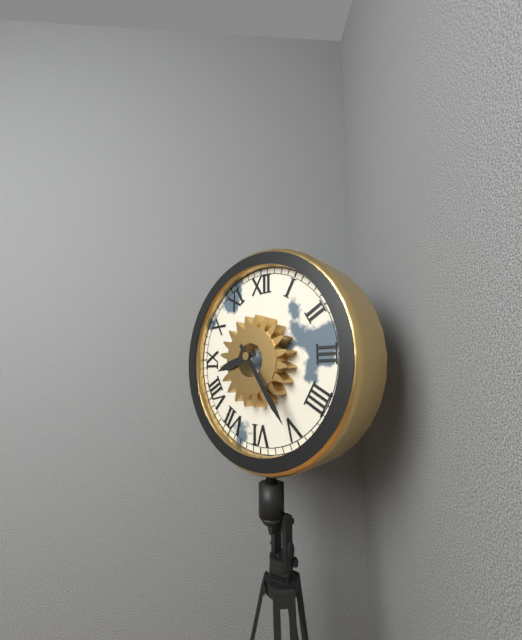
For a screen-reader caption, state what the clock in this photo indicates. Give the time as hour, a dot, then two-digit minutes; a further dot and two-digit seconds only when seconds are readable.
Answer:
8.24
